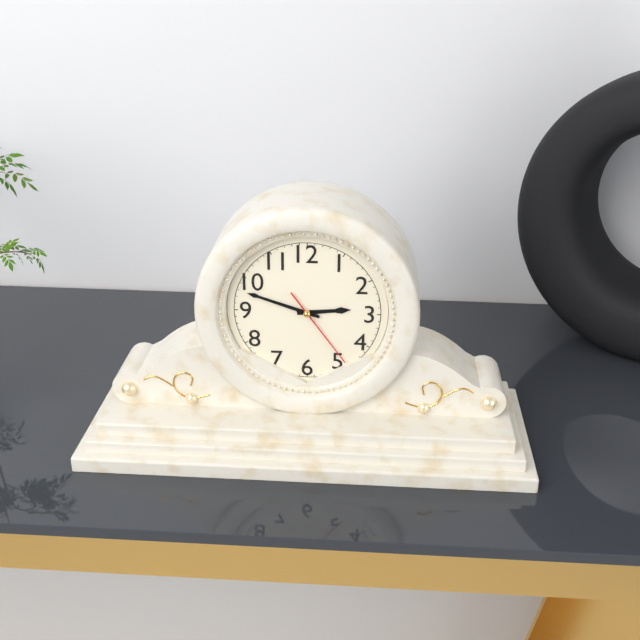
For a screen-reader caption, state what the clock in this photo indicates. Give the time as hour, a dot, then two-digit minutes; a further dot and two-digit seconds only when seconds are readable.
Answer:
2.48.24
